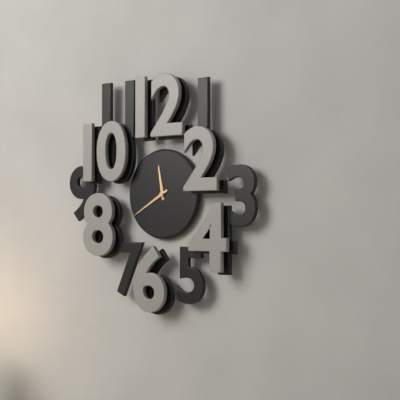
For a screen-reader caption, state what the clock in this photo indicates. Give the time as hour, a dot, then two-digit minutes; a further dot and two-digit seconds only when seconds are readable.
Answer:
11.40
